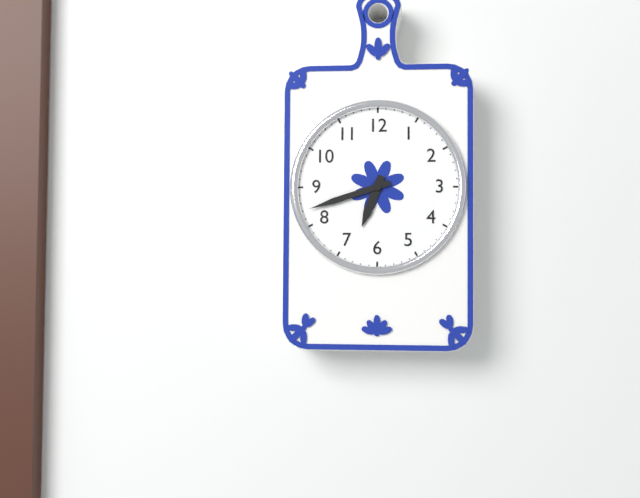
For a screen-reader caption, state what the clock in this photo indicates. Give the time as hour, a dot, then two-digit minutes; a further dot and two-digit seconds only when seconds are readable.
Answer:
6.42
